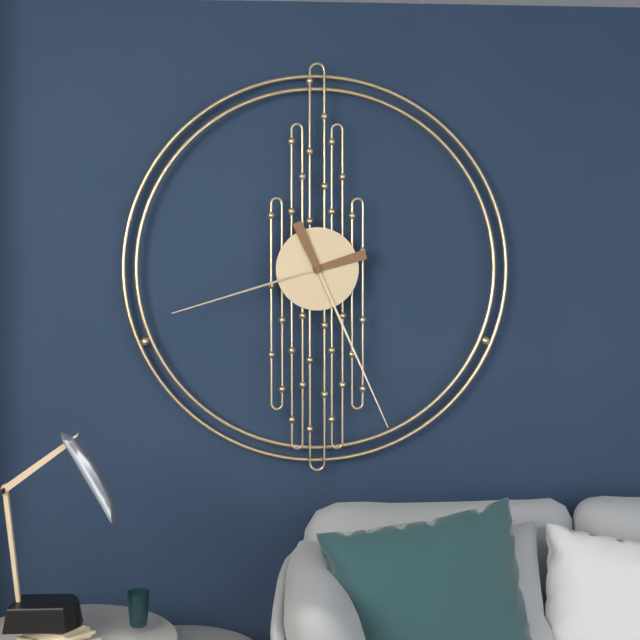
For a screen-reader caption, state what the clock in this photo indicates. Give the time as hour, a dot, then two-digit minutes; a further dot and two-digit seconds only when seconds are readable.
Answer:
8.26
